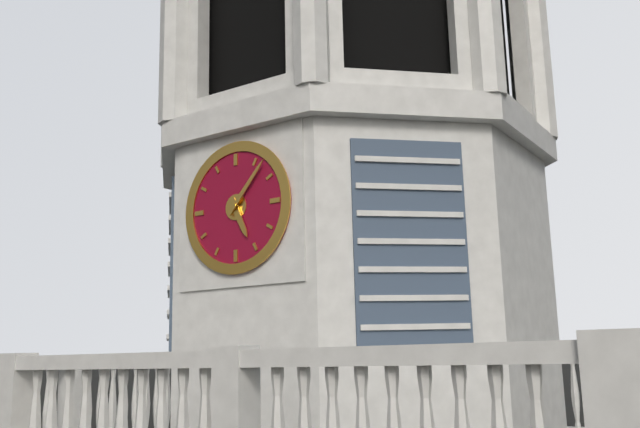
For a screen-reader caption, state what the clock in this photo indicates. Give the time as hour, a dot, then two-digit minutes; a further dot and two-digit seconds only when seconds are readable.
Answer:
5.07
